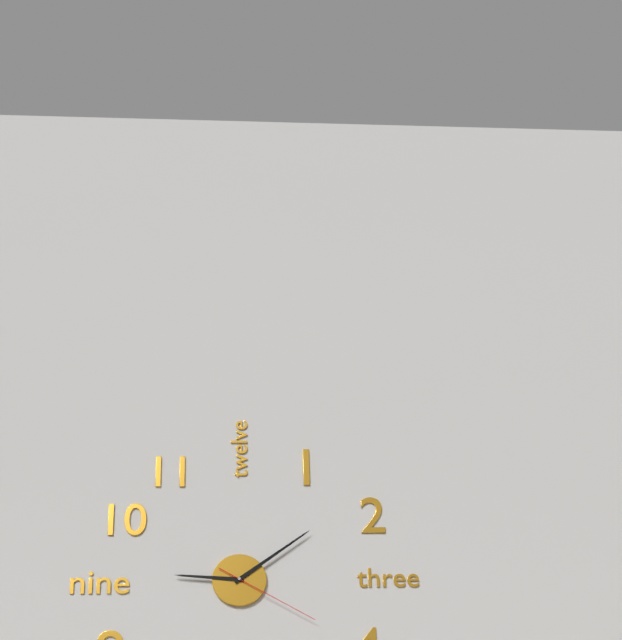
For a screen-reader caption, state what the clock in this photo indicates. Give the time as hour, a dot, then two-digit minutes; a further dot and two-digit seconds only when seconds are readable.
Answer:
9.09.20
